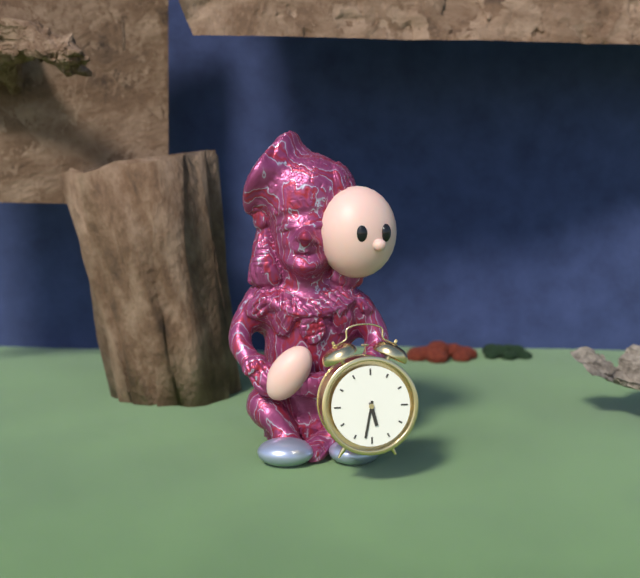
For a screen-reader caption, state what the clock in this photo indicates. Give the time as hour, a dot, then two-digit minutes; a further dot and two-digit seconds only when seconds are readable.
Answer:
5.32
